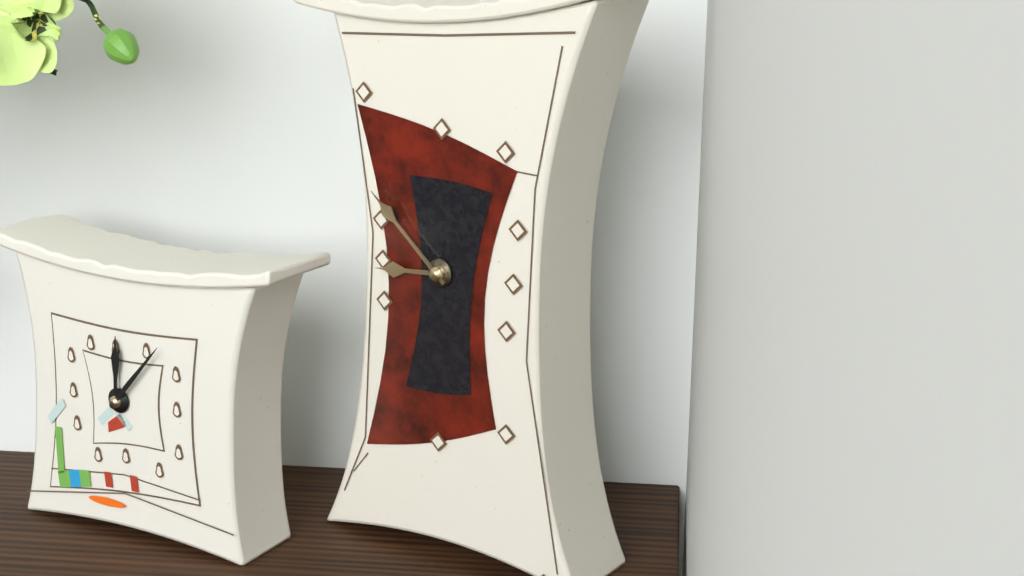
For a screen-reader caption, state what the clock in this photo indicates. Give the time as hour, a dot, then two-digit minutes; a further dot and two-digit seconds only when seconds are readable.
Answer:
8.52
